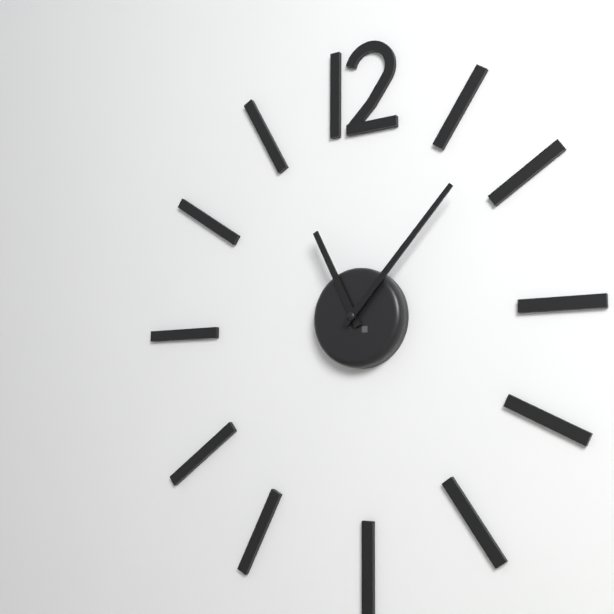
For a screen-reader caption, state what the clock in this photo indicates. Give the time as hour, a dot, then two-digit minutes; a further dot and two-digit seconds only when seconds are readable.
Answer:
11.07
